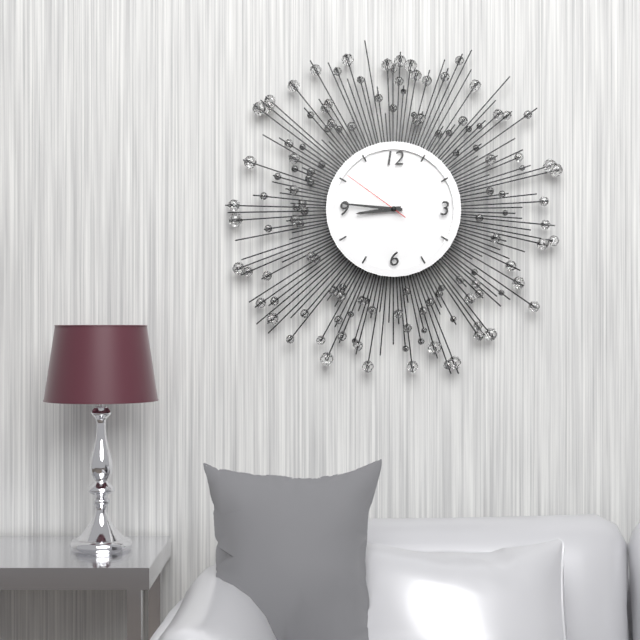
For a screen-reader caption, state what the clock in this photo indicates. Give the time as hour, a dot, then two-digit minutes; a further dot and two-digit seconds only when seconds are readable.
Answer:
8.46.51
